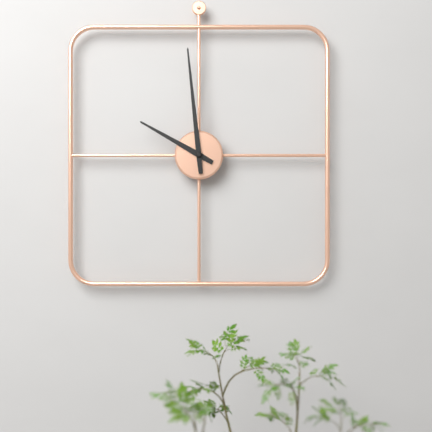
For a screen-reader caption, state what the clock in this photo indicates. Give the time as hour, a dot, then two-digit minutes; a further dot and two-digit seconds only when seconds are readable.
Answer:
9.59
